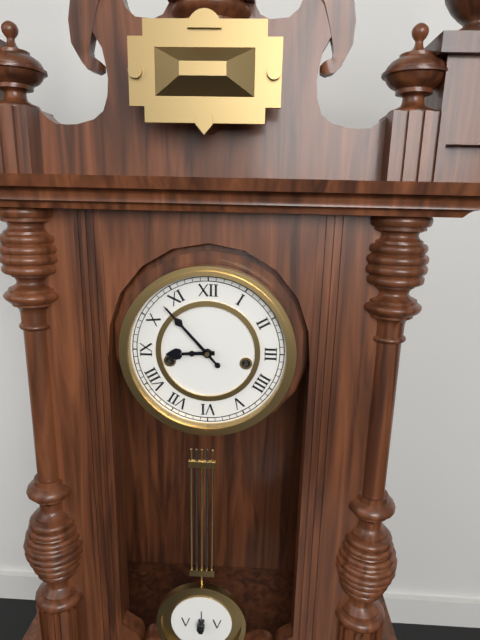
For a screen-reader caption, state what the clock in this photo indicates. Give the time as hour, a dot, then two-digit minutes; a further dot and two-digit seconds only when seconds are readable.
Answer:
8.53
